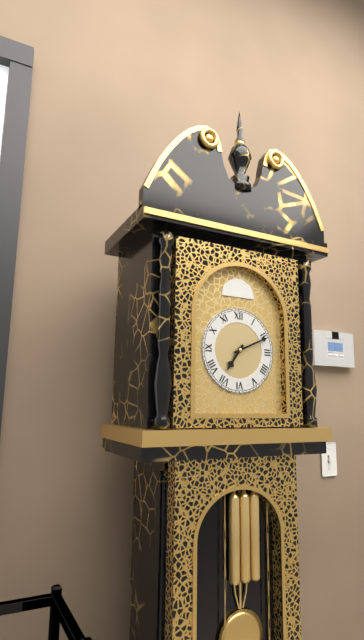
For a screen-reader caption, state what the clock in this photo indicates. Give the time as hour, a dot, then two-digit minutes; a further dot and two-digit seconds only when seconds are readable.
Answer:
7.11
